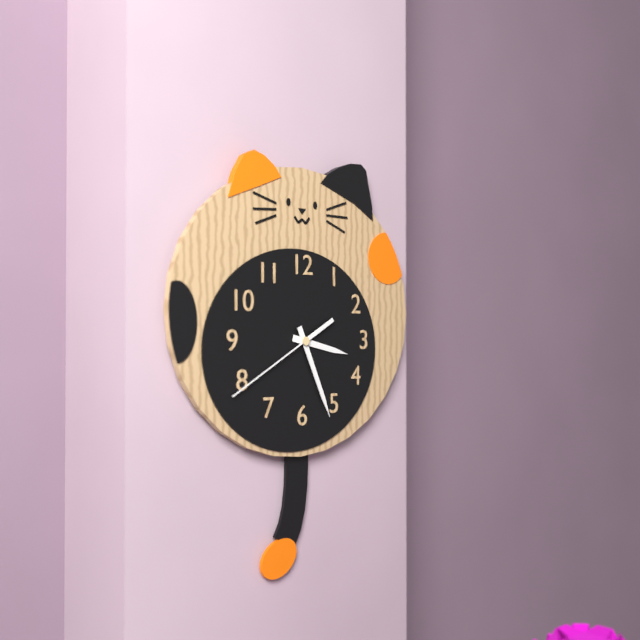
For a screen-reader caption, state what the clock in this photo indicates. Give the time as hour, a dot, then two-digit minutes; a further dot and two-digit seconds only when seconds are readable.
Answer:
3.26.40
